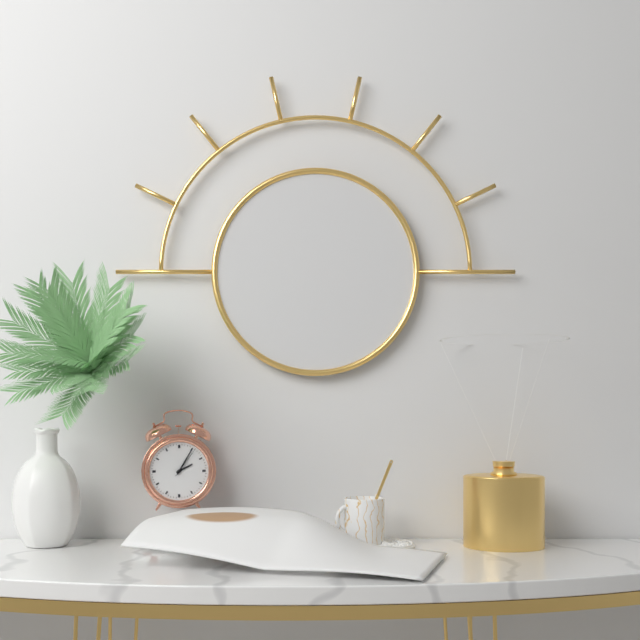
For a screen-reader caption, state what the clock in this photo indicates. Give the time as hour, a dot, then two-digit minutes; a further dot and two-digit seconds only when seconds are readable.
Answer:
2.05
